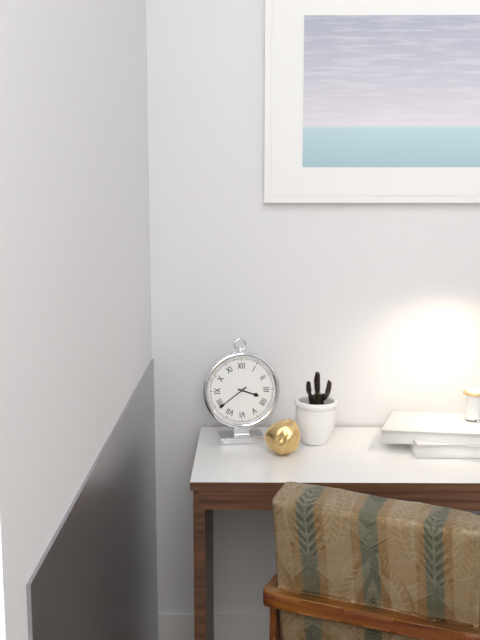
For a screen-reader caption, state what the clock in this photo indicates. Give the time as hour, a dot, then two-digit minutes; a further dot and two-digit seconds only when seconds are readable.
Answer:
3.39
